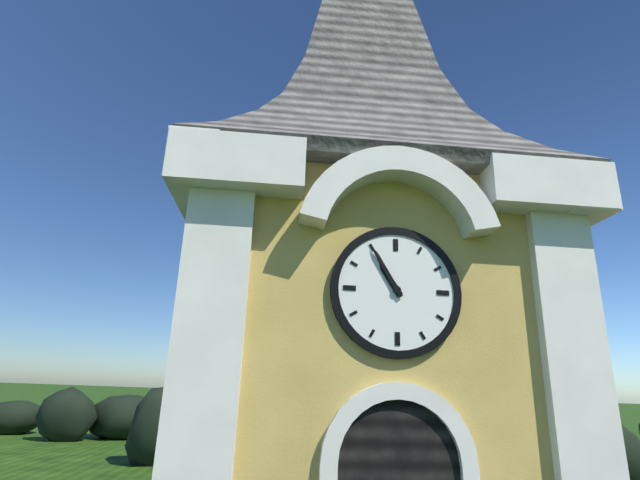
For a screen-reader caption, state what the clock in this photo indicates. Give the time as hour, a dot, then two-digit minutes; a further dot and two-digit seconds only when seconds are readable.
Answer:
10.55
